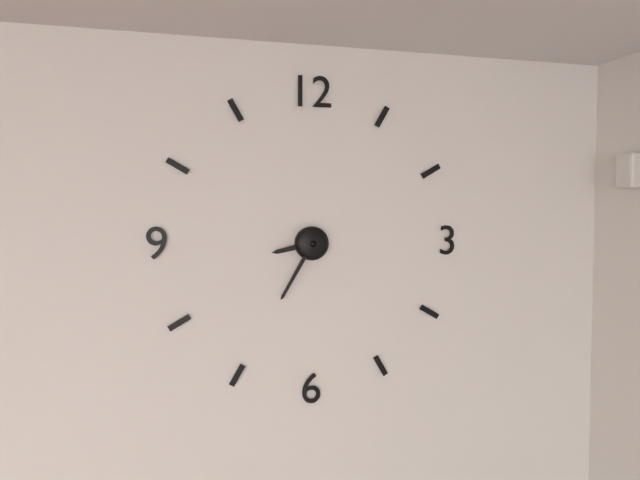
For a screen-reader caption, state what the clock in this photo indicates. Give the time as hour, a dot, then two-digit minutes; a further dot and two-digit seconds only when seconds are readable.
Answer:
8.35
